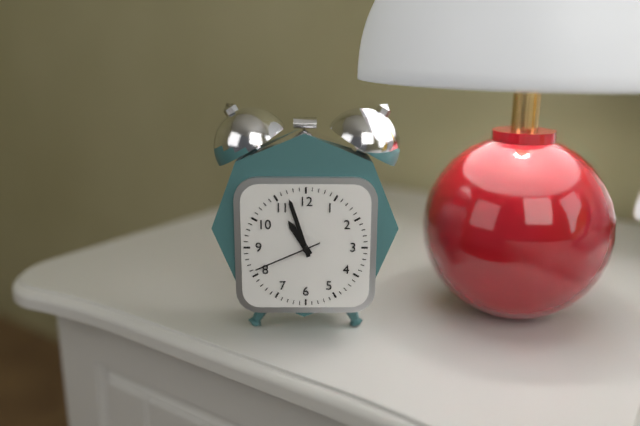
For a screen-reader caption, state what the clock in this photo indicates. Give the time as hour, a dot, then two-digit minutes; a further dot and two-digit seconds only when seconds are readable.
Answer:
10.57.41
